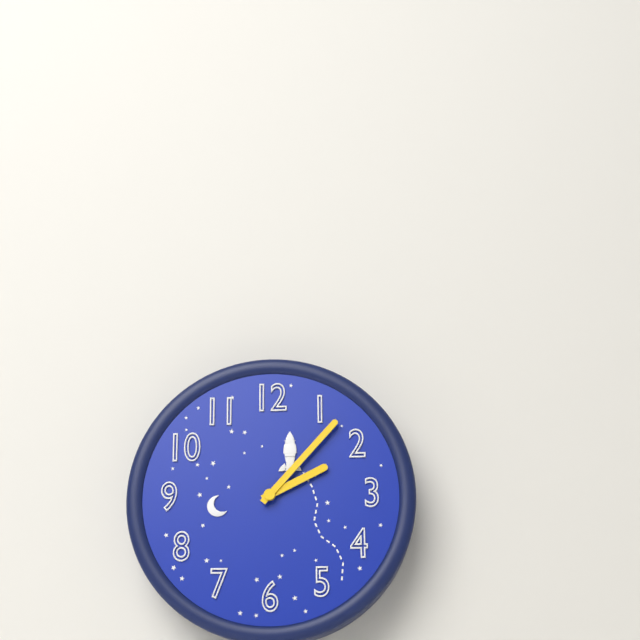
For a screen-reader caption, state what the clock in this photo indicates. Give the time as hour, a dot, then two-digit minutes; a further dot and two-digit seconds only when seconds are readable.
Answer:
2.07
